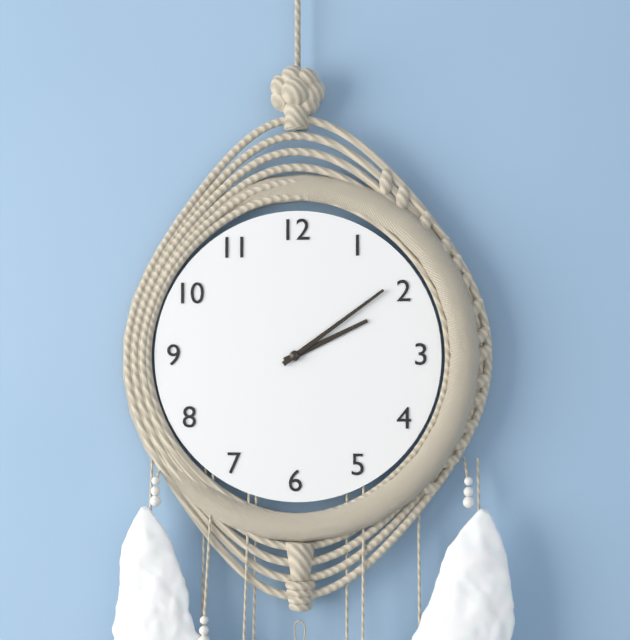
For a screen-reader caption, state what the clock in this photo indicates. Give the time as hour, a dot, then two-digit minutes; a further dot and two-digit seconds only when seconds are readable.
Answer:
2.09
